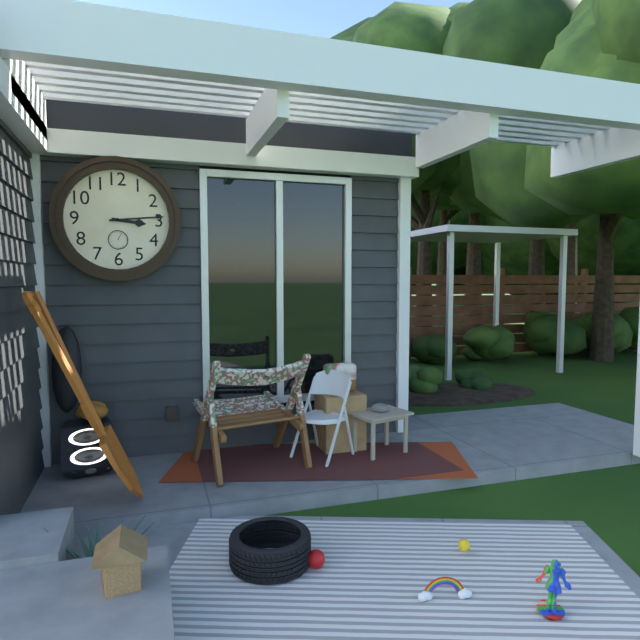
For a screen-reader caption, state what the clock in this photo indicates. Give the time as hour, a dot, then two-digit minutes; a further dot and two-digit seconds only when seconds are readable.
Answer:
3.14
